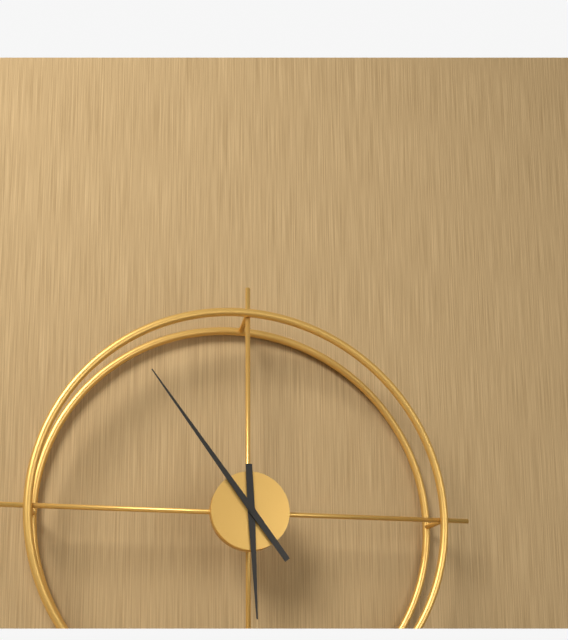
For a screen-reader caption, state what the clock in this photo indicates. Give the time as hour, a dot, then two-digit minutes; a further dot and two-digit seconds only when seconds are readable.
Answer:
5.54
